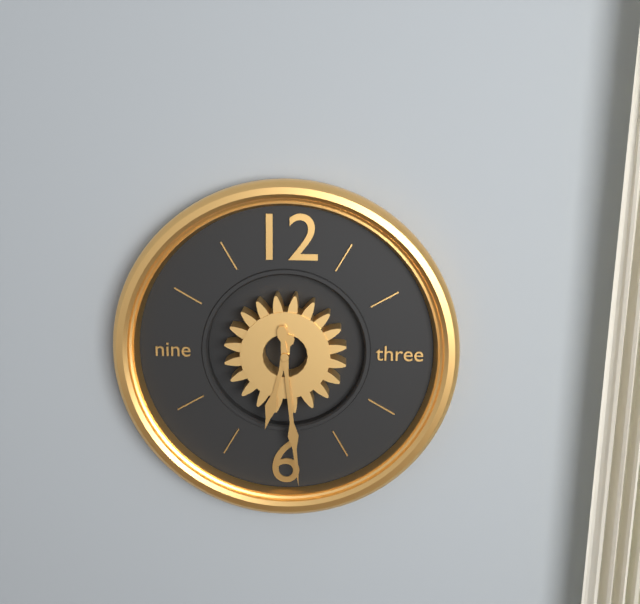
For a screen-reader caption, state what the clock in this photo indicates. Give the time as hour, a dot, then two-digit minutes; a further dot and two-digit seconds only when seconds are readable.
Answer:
6.29
